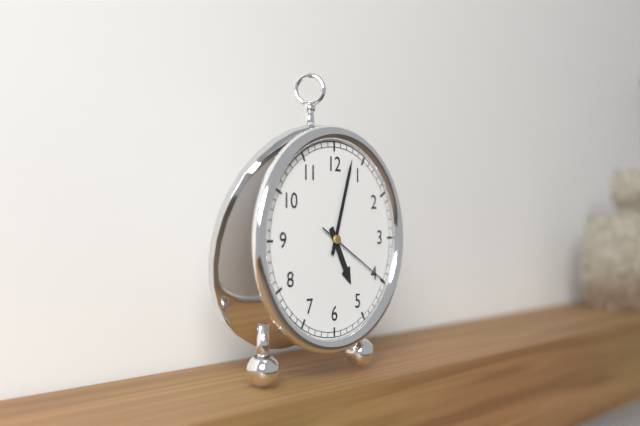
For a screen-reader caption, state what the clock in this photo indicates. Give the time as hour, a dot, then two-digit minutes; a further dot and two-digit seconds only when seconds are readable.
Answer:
5.03.20
